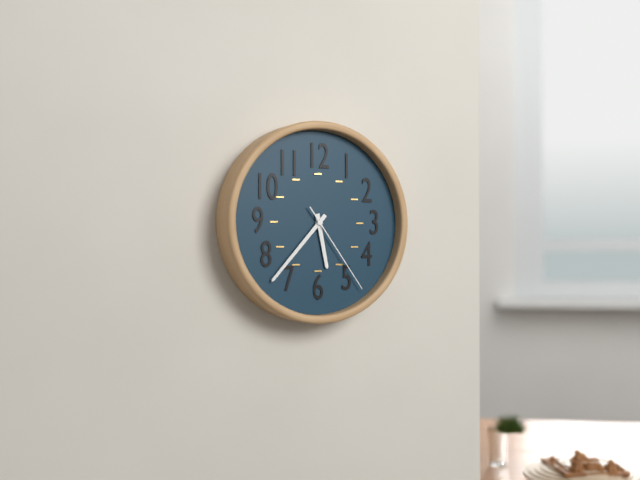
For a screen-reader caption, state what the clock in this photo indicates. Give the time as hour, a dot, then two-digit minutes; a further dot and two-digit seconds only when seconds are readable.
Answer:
5.37.24
